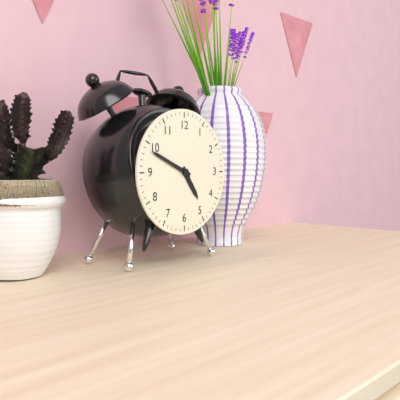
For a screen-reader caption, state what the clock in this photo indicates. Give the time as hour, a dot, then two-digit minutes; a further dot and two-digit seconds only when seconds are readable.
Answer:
4.49
